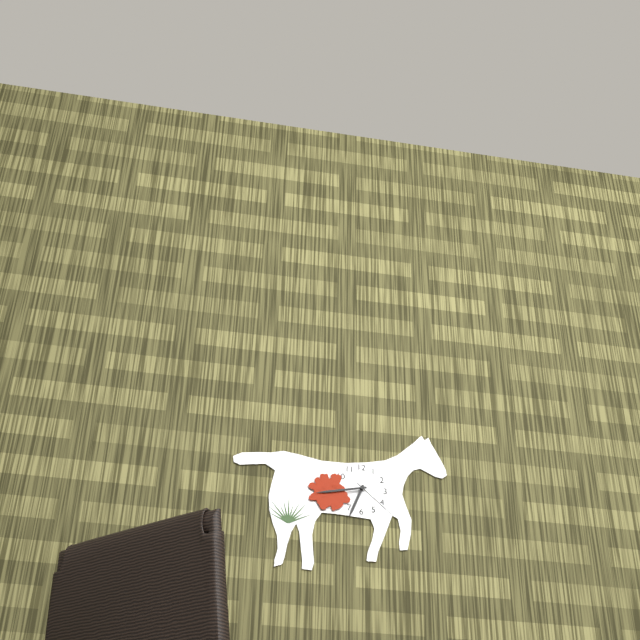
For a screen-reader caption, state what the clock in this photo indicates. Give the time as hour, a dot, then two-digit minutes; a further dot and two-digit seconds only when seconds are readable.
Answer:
6.43
